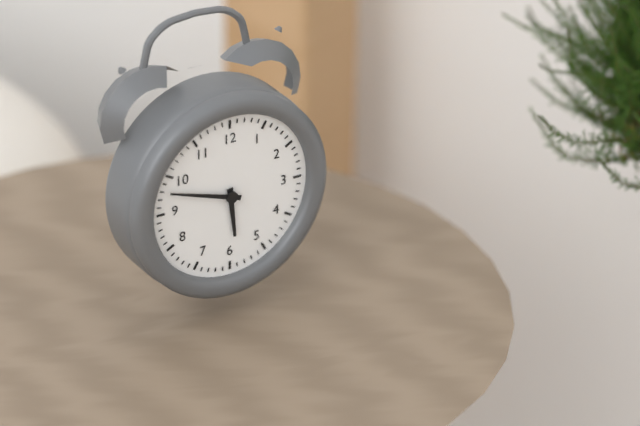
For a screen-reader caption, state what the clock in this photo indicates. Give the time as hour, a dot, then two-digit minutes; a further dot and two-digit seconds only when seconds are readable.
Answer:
5.48
